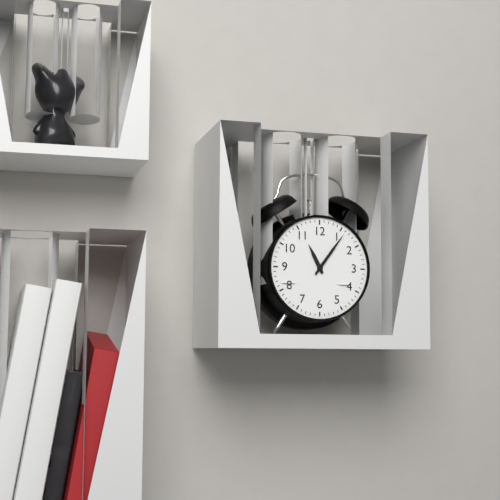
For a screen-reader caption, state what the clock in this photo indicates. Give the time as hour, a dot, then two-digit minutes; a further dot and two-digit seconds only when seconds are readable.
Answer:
11.06
